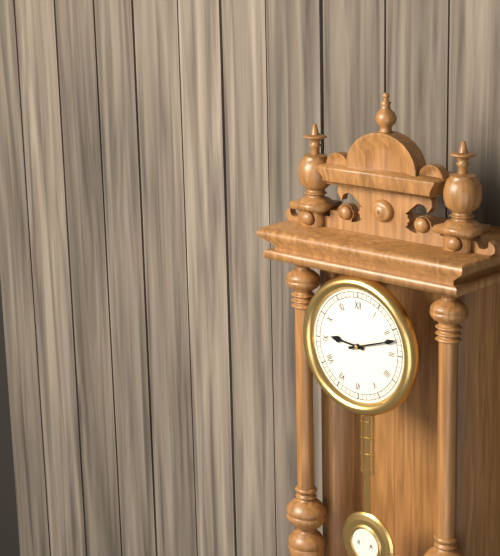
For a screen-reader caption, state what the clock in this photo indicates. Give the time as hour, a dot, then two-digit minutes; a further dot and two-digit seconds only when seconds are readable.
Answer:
9.12
